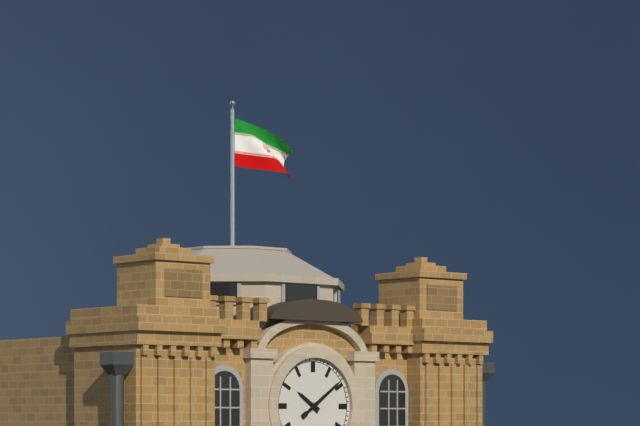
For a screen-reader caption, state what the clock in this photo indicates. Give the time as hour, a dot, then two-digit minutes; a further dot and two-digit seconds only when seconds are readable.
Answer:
10.09
